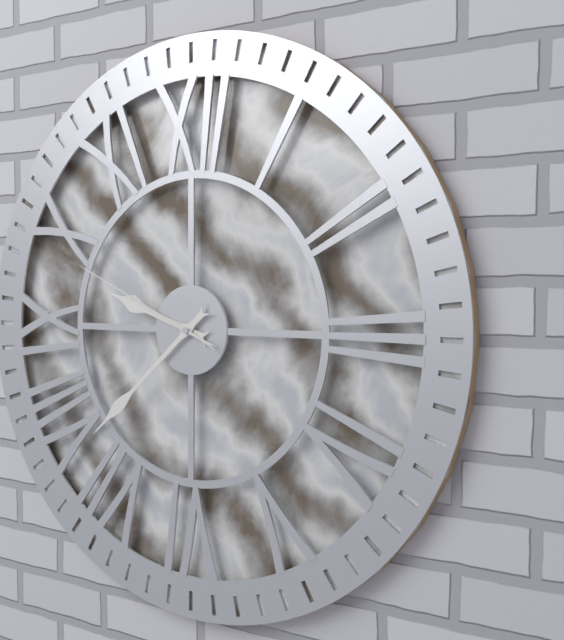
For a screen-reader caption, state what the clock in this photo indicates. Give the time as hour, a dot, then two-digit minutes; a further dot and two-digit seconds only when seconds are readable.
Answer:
9.38.49
